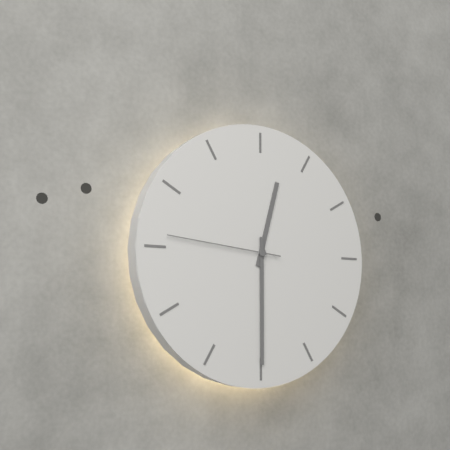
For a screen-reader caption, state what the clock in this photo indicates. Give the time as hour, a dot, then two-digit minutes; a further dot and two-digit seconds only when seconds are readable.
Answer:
12.30.46
